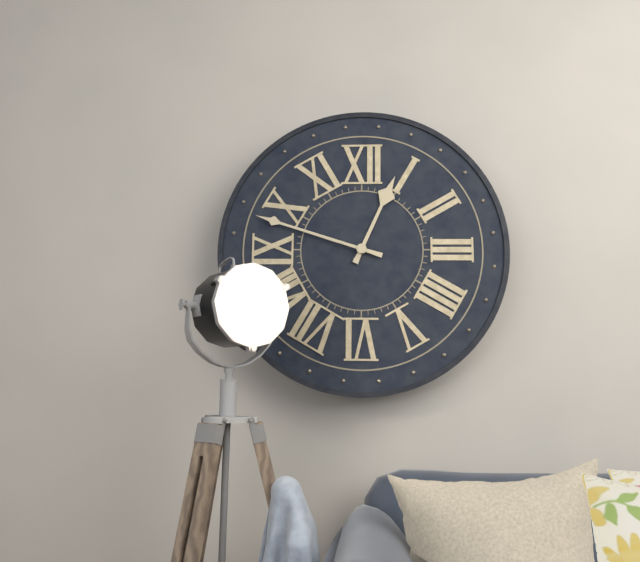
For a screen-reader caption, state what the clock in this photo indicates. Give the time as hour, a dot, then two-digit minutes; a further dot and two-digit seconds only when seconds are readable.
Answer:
12.48
